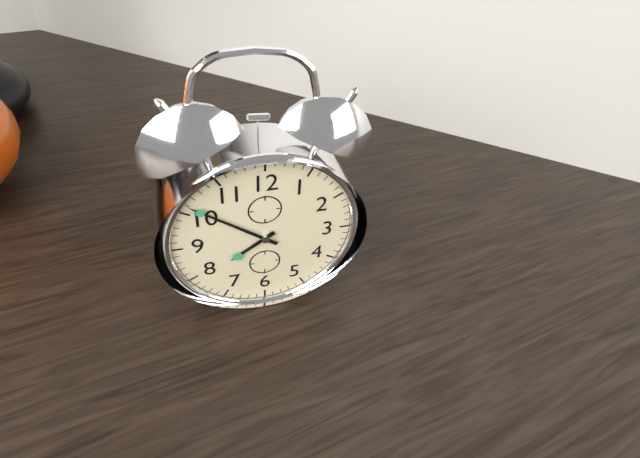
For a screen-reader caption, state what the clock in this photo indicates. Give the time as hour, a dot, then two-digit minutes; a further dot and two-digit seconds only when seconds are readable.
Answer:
7.51
